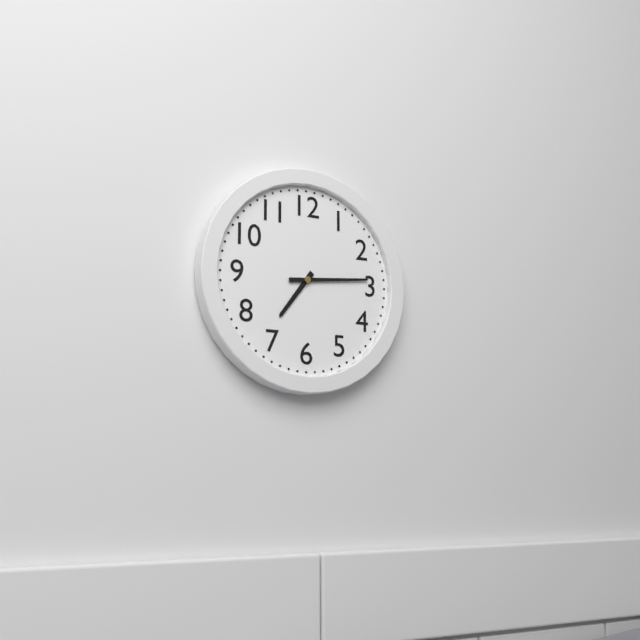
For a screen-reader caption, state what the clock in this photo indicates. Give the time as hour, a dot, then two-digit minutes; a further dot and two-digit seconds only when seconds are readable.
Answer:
7.14
